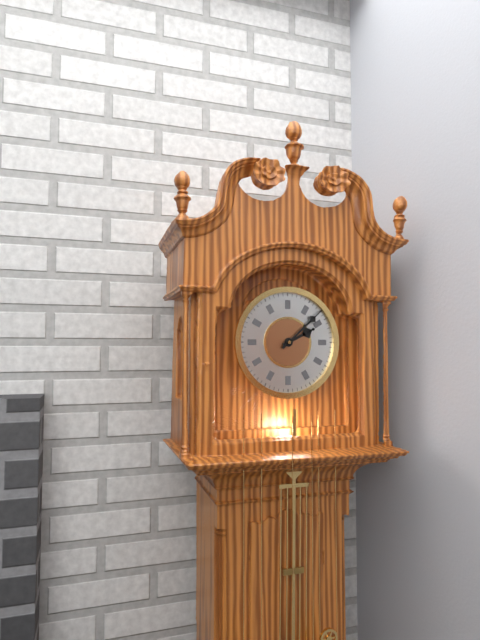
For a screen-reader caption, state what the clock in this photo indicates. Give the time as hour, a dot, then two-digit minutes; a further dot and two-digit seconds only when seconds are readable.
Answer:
2.08
